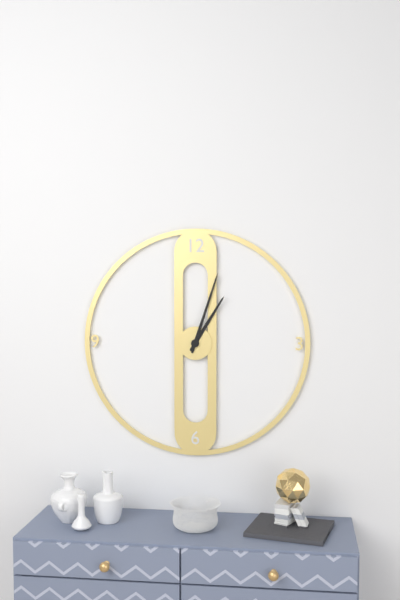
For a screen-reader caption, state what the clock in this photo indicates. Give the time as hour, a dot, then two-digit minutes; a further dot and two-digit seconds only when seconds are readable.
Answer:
1.03
